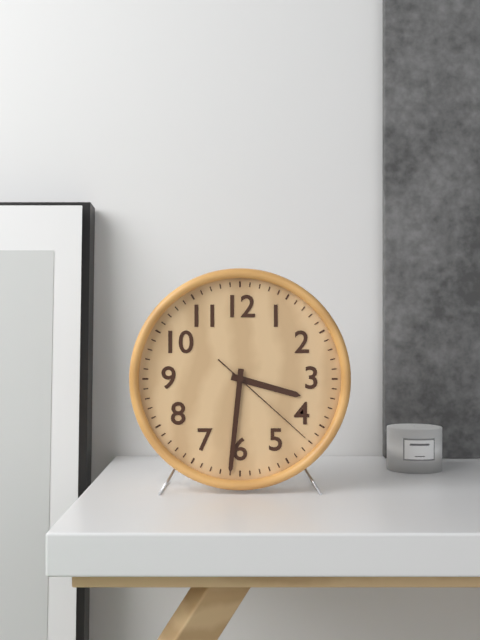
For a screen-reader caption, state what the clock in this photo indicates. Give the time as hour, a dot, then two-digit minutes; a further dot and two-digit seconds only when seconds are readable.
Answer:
3.31.22
